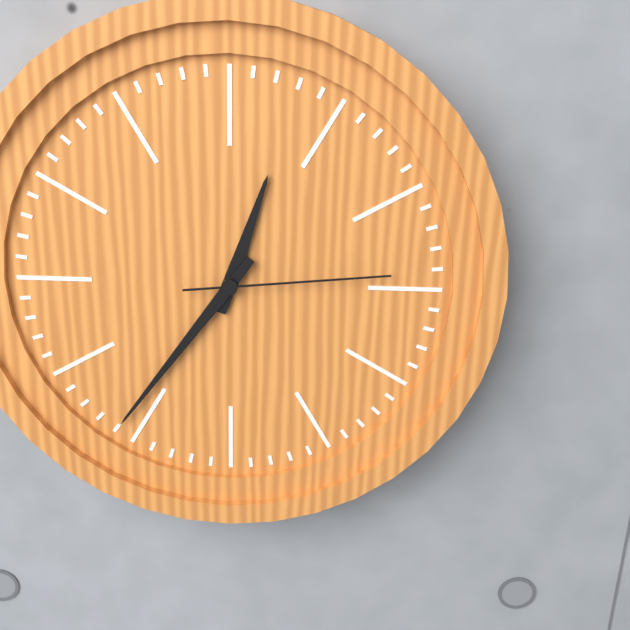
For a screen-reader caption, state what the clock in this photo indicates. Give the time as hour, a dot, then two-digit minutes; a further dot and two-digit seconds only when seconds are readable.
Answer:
12.36.14
